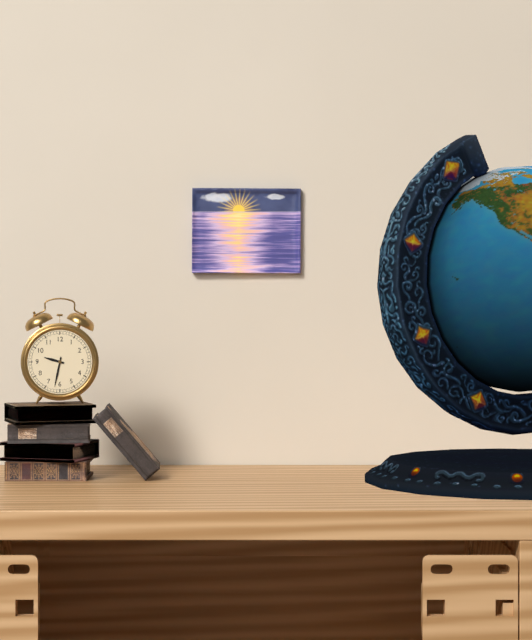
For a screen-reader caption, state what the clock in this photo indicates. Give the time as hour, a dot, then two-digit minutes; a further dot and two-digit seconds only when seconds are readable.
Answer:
9.32
